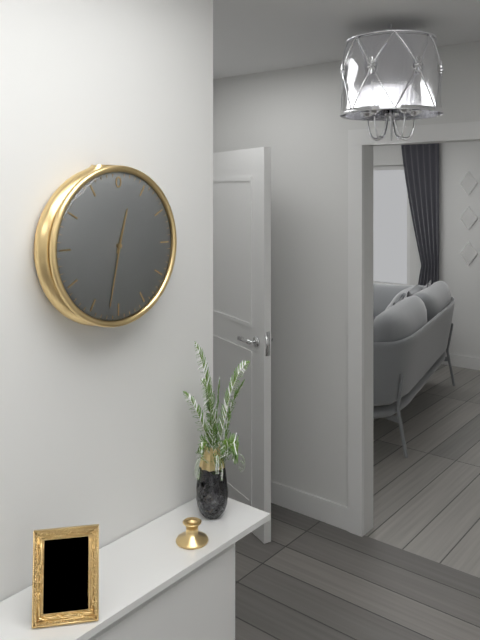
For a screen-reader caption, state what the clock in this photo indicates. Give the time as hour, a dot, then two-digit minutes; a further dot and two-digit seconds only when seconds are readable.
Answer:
12.32
